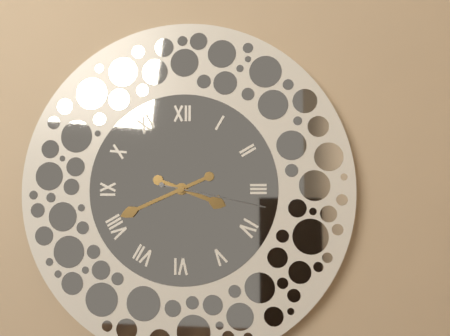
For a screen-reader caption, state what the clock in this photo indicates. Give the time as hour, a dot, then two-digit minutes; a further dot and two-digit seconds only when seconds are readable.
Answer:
3.41.17
